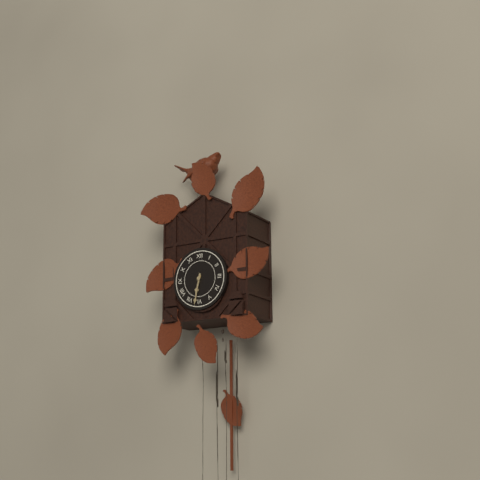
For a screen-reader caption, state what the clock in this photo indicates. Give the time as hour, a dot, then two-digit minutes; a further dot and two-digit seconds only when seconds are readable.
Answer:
6.32
